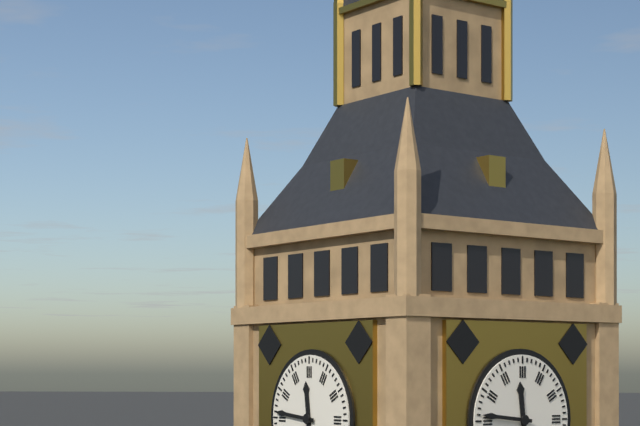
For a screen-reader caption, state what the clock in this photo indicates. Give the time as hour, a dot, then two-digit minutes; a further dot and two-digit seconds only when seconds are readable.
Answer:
11.46
